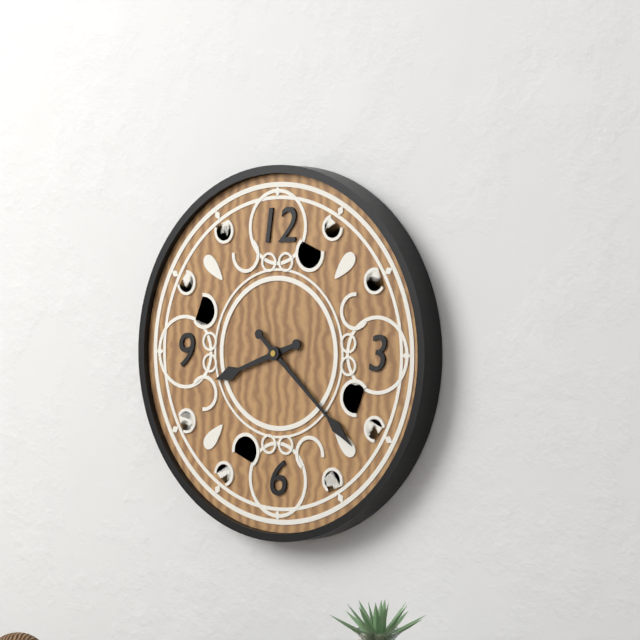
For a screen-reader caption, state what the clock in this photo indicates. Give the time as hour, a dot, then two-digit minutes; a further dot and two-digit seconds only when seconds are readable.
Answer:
8.22
